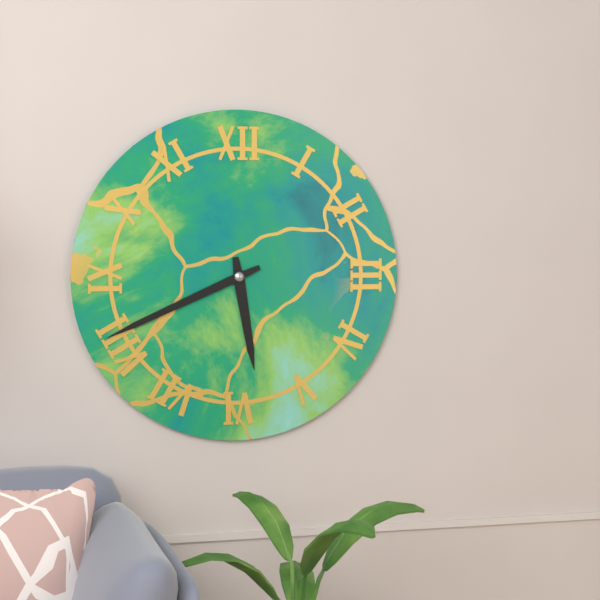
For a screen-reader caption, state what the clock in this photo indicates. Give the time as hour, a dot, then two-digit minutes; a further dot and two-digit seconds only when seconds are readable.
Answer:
5.41
